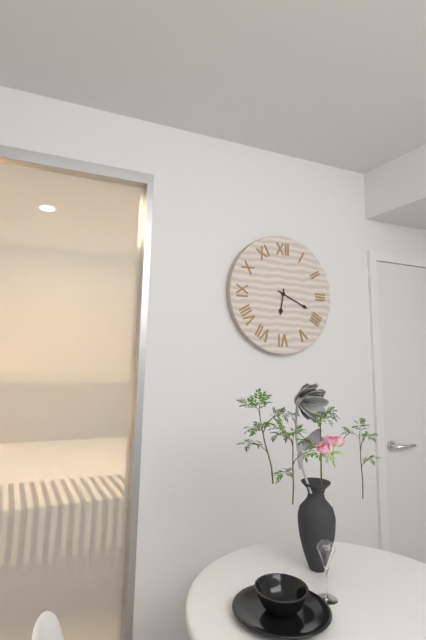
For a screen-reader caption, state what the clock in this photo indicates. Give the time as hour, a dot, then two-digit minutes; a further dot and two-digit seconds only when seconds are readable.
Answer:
6.19
